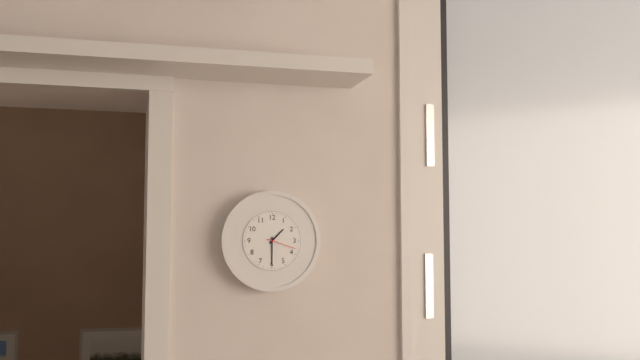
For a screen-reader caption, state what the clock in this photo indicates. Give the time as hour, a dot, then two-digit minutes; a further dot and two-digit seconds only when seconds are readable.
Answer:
1.30
